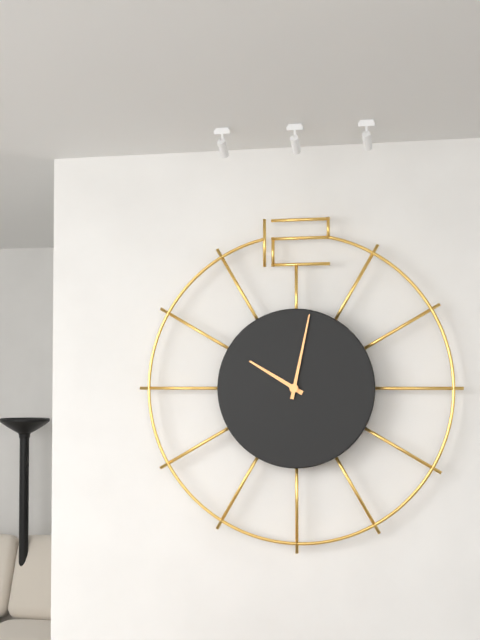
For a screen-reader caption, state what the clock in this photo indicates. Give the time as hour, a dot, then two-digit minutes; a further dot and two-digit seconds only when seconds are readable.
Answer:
10.02
